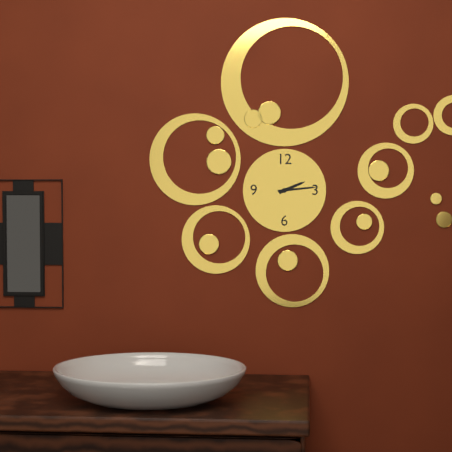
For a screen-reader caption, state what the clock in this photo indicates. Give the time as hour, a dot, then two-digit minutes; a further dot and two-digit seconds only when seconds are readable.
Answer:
2.14
